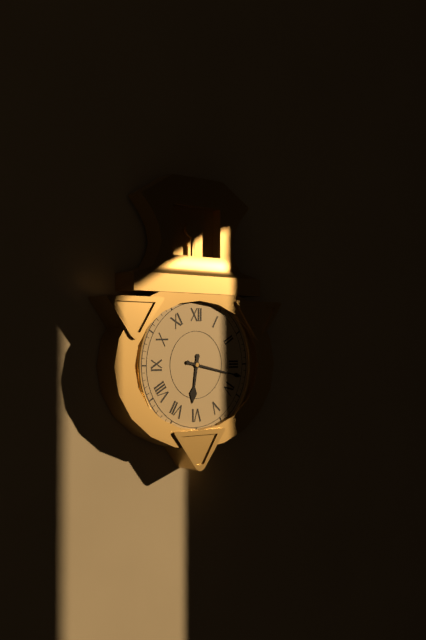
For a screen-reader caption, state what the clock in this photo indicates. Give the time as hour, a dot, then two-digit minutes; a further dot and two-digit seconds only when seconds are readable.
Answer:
6.17
